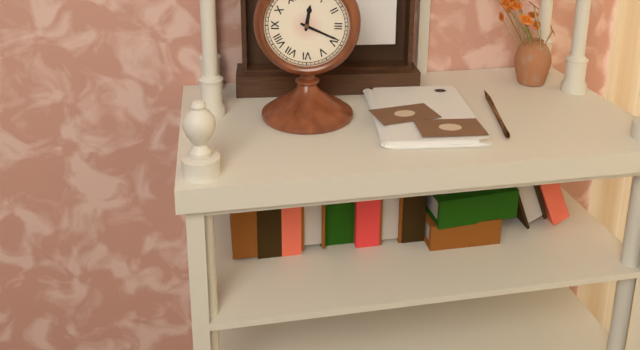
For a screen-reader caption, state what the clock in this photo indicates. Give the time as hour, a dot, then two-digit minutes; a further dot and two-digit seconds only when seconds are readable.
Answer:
12.19
